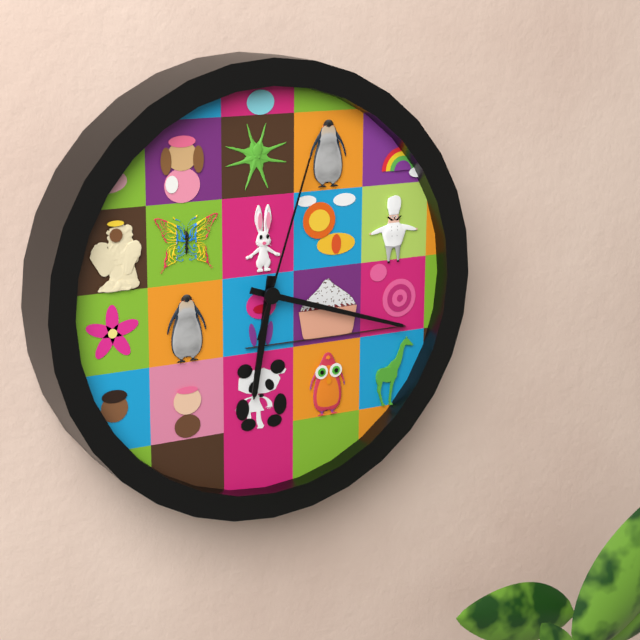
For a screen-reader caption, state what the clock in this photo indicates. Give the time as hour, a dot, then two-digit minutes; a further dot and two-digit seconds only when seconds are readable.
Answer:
6.18.03
